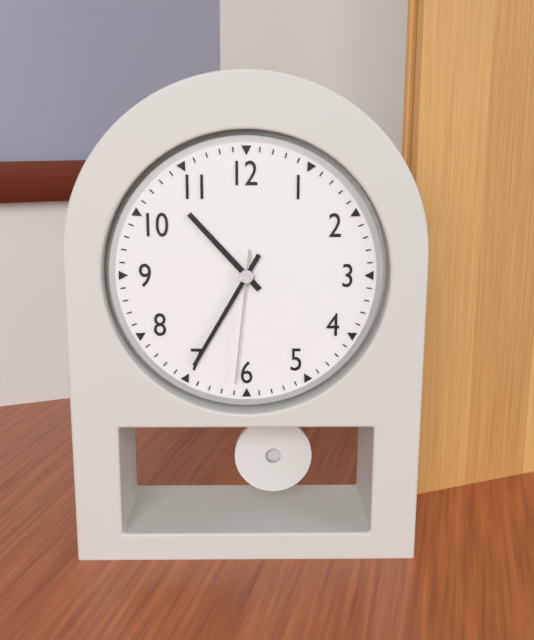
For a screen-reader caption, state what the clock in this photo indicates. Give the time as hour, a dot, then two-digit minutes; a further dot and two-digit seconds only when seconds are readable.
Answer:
10.35.31
